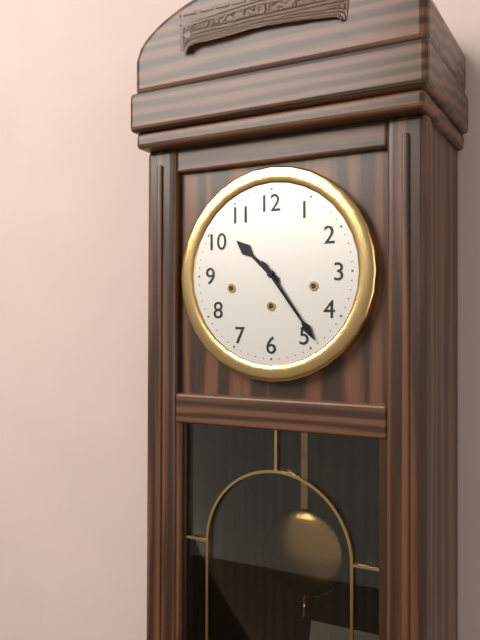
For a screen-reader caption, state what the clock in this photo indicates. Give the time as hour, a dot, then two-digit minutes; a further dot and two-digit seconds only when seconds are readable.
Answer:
10.24
